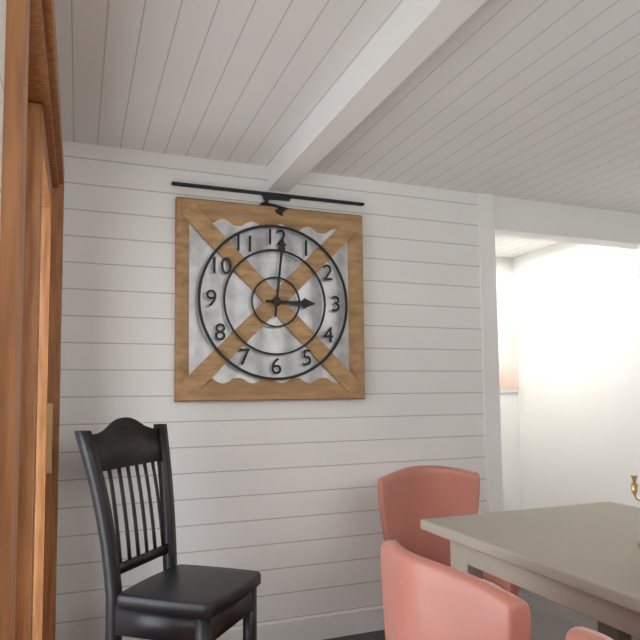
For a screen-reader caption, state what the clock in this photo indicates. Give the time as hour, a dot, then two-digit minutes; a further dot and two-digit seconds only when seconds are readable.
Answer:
3.01
